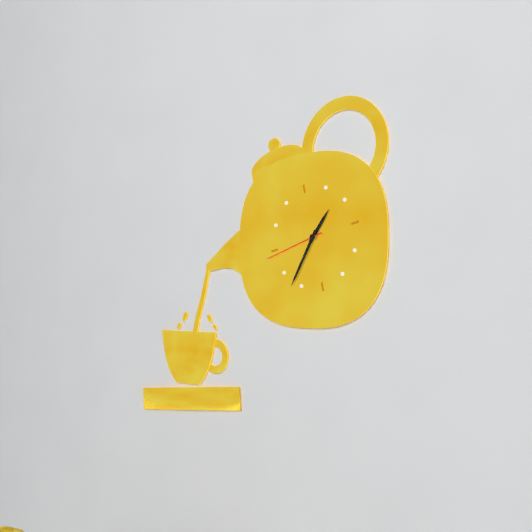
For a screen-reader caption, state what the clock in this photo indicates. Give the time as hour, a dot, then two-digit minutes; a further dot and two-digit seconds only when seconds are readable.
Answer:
1.37.44
